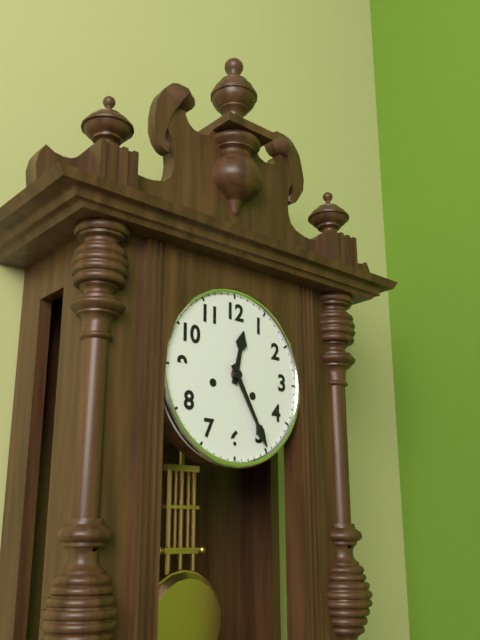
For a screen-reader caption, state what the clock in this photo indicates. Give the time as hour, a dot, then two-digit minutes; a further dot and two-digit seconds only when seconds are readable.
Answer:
12.25
